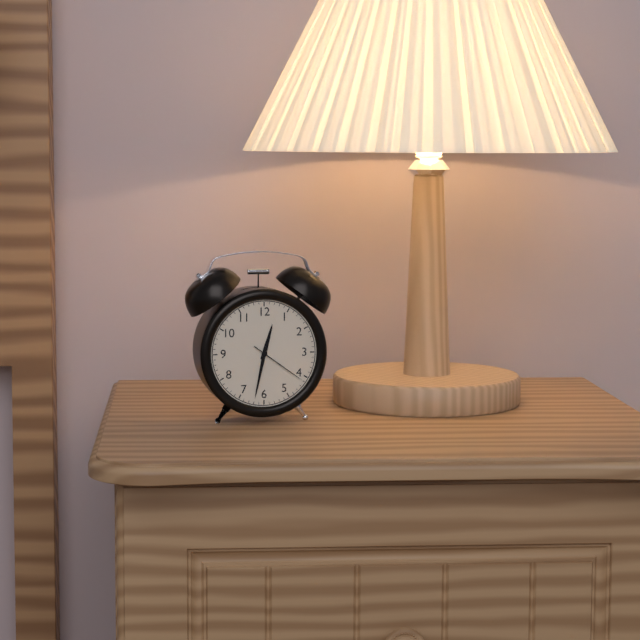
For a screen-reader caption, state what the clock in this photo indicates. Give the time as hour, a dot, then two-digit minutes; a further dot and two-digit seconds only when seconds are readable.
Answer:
12.32.21
